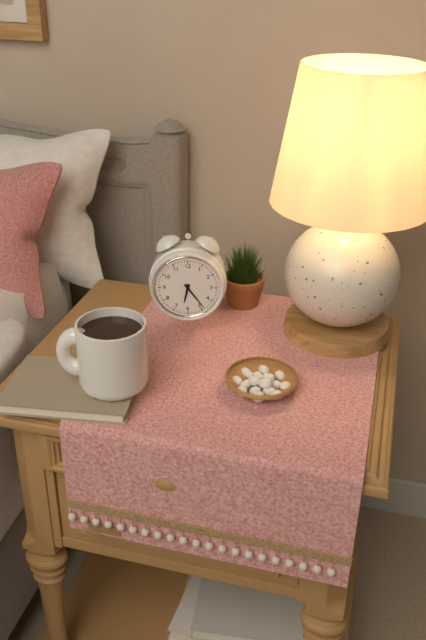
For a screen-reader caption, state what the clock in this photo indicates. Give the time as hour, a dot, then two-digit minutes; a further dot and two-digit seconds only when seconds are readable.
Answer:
6.24
